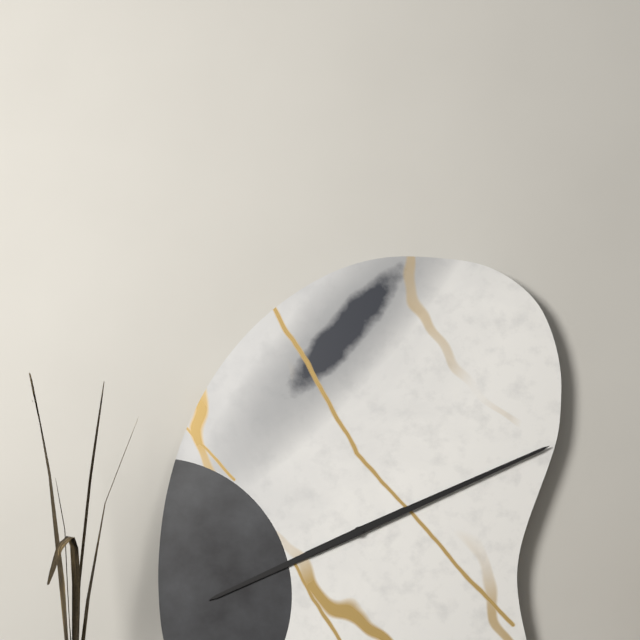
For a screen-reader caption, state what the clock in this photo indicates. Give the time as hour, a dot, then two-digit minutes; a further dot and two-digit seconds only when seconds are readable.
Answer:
8.11
